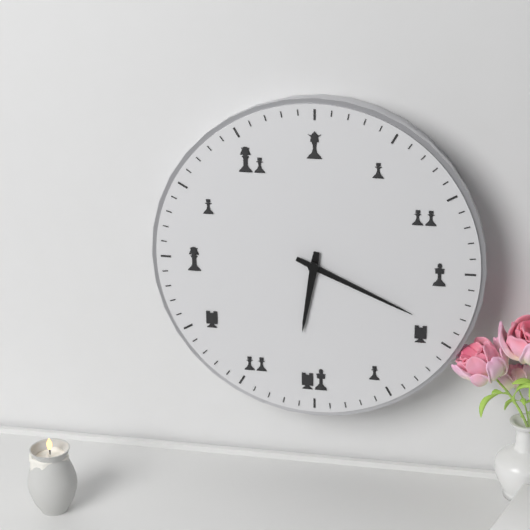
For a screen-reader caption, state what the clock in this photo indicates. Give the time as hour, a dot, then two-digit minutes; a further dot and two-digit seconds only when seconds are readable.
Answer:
6.19
